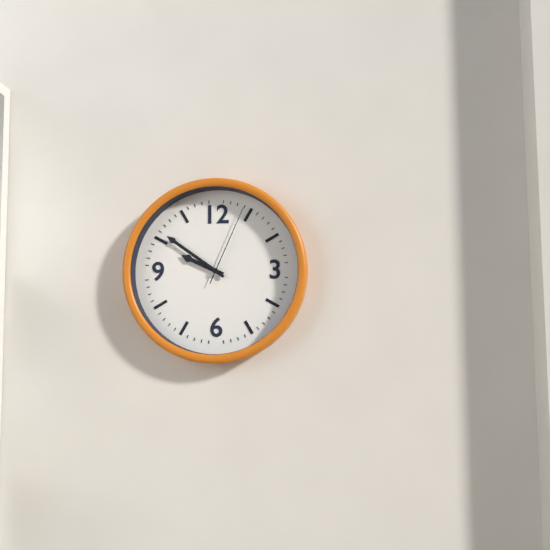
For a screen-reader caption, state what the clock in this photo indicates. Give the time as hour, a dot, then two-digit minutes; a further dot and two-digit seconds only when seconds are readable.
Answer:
9.51.04
